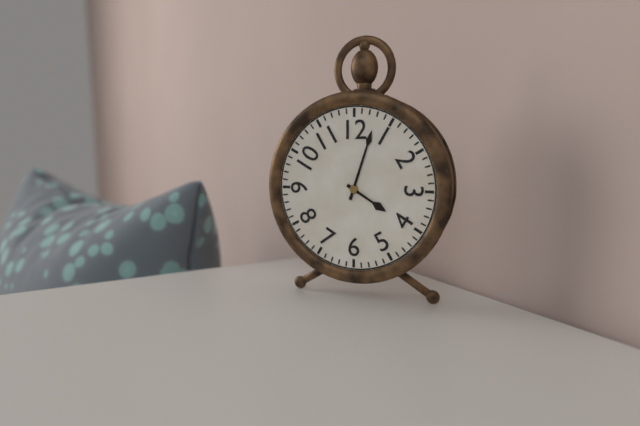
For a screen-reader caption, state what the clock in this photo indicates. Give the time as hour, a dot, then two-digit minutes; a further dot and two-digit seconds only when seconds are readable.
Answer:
4.03
